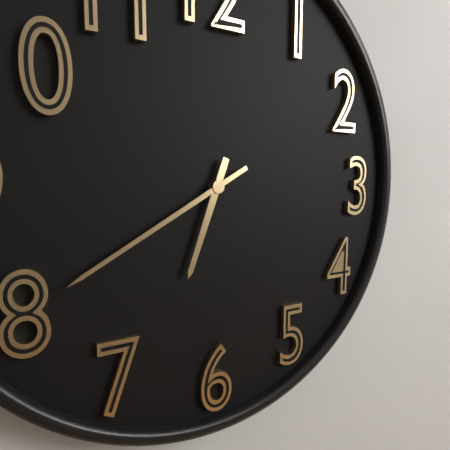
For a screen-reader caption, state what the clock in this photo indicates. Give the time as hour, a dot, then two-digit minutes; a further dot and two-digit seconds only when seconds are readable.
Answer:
6.40
